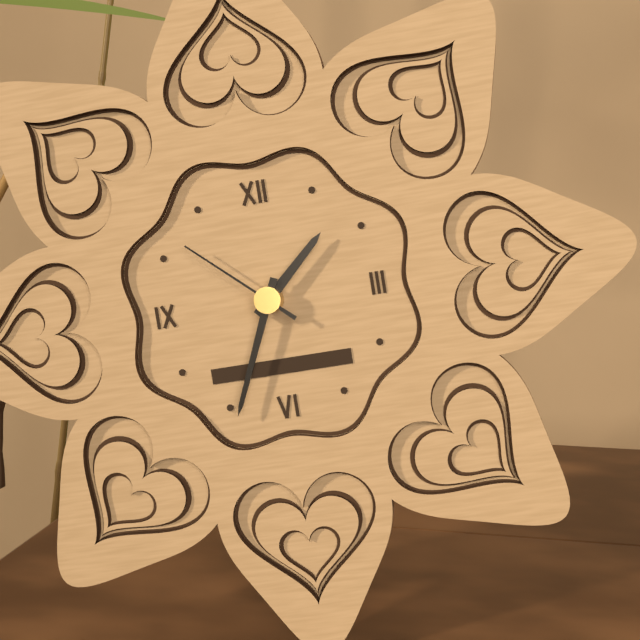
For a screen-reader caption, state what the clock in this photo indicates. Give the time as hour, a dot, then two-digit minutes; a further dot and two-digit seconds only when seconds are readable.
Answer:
1.34.52
